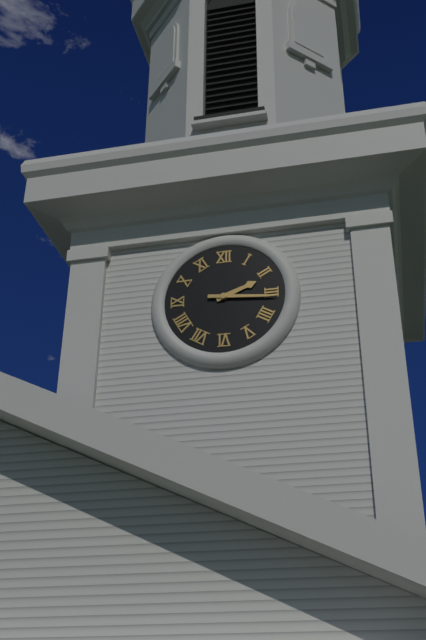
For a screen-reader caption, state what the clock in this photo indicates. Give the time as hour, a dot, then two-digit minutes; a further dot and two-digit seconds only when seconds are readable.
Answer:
2.16
